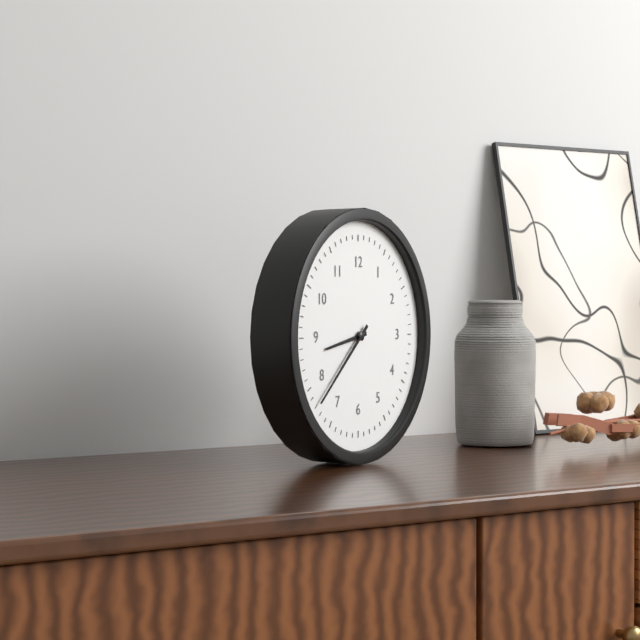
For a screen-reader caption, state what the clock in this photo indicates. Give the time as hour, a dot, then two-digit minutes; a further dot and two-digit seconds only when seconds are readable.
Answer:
8.38
